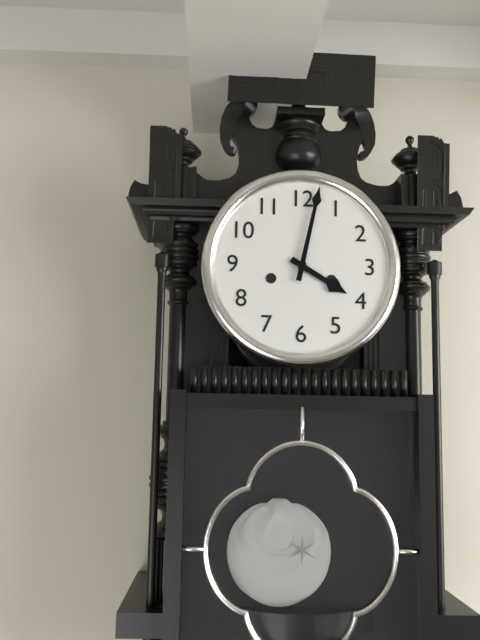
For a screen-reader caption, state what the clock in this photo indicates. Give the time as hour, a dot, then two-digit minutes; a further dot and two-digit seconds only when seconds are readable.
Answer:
4.02
